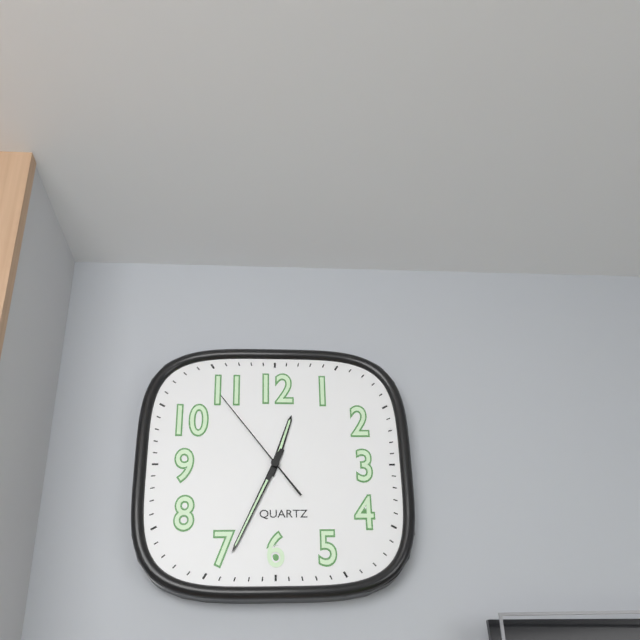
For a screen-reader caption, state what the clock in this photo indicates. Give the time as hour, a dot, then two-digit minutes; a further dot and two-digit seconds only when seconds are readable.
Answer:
12.34.54
